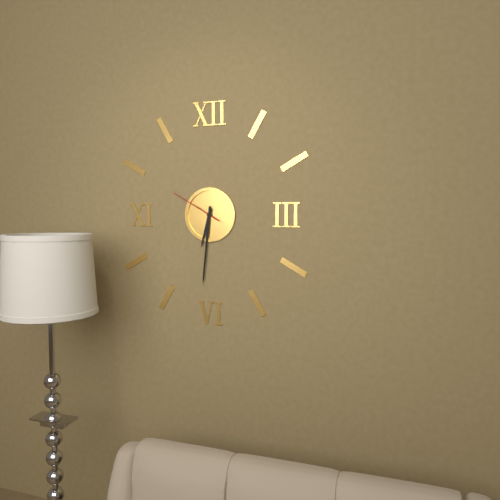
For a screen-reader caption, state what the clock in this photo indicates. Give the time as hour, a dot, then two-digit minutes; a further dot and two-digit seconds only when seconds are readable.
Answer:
6.31.50
